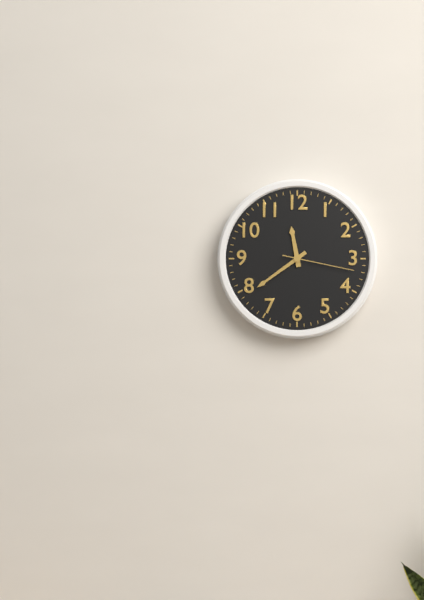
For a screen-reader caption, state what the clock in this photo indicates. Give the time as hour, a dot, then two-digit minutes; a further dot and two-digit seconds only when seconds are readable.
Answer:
11.39.17
